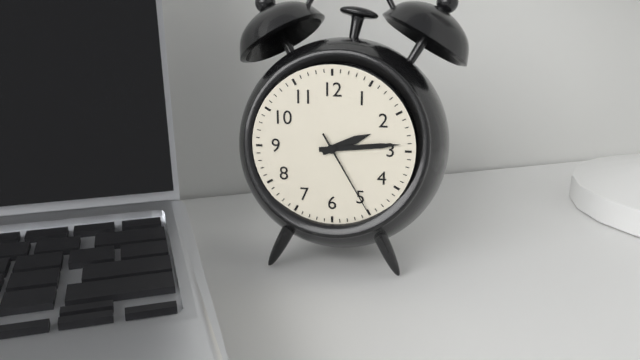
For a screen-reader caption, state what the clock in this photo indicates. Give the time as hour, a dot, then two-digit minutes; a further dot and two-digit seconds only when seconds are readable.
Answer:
2.14.25
